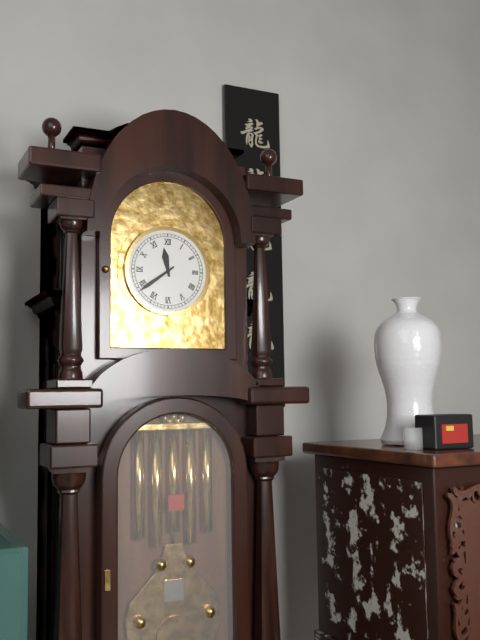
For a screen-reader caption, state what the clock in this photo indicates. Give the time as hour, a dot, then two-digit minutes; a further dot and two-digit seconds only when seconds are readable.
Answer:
11.39
